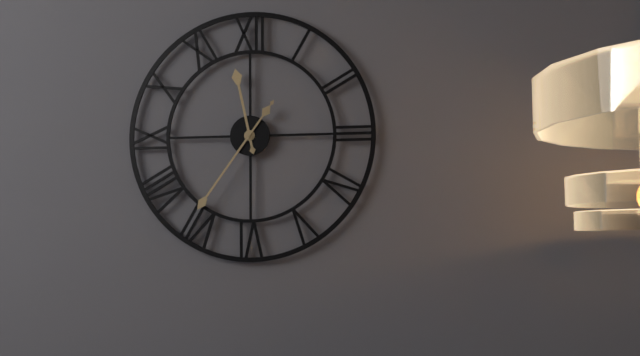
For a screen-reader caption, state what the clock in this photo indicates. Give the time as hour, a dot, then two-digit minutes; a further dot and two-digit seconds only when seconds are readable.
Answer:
11.36
